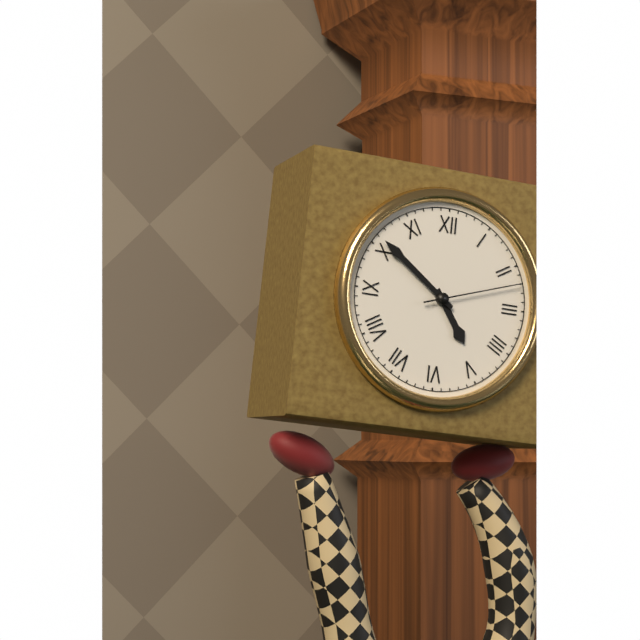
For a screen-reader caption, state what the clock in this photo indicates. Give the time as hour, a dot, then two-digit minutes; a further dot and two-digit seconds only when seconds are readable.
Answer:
4.51.12
